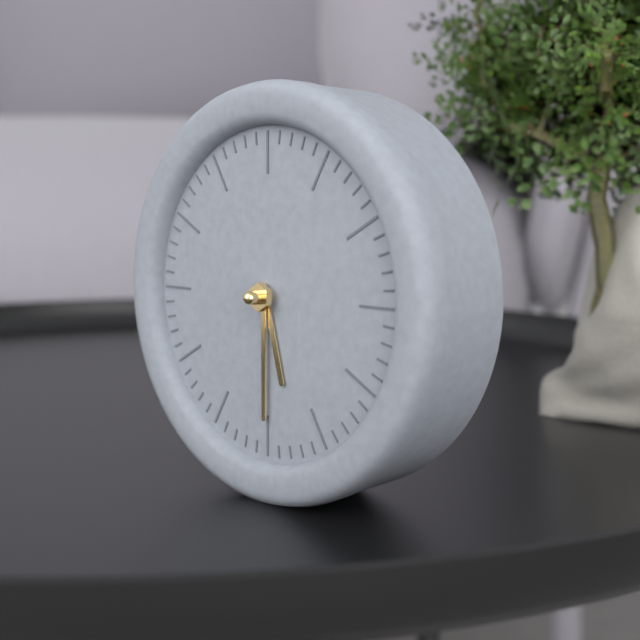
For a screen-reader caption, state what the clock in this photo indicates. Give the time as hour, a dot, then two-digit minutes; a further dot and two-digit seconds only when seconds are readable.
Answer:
5.30
